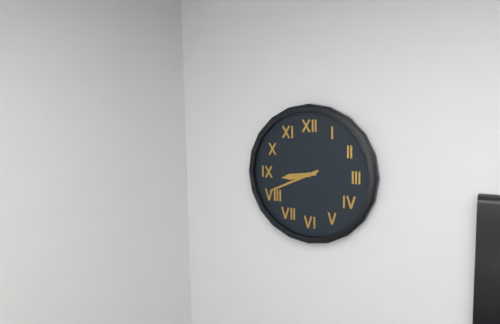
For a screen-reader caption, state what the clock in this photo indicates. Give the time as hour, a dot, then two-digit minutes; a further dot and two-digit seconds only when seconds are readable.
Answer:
8.41
